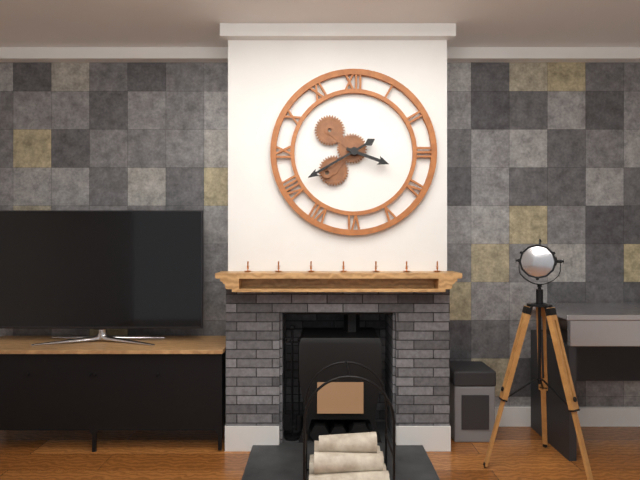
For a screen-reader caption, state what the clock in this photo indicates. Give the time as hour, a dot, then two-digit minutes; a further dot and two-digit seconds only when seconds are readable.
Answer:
3.40
